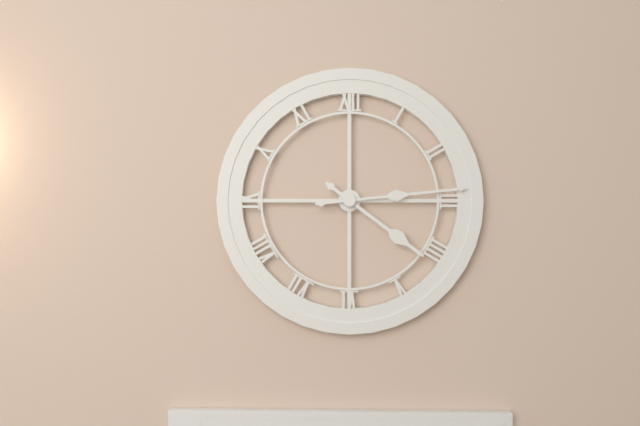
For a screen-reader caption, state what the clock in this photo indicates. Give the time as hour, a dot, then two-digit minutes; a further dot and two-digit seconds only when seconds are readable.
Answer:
4.14
